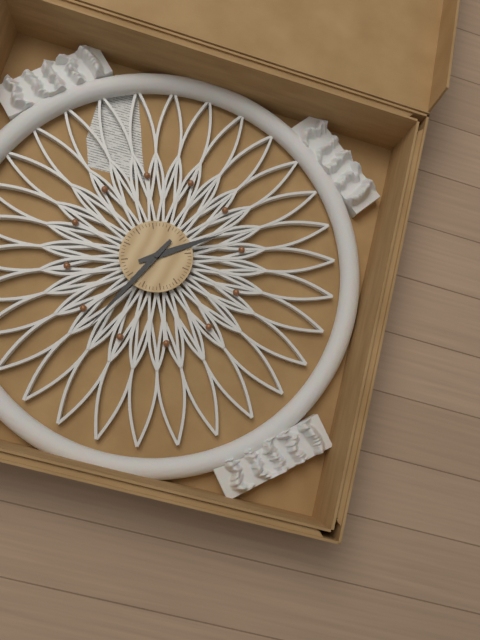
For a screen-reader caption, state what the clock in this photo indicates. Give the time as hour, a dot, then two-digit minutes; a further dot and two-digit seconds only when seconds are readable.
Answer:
1.33
